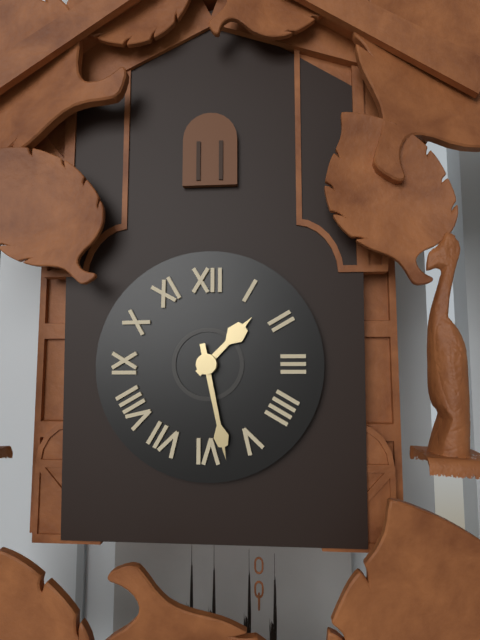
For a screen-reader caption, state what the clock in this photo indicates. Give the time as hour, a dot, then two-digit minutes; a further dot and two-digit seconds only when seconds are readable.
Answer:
1.28
